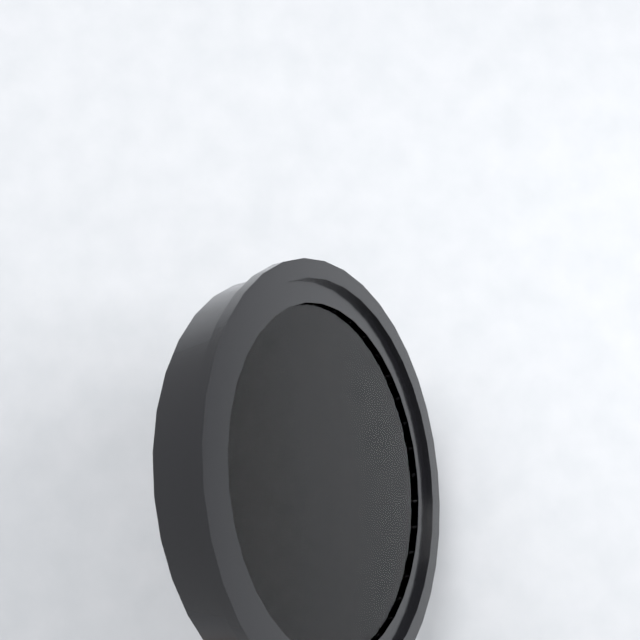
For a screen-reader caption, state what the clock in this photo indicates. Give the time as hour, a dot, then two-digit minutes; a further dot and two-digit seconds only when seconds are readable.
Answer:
1.31.35
